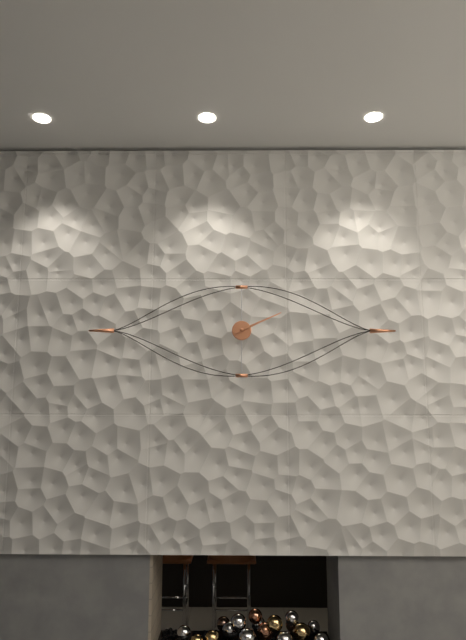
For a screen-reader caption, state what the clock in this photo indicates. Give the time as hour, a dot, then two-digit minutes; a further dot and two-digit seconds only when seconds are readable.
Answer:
2.11
